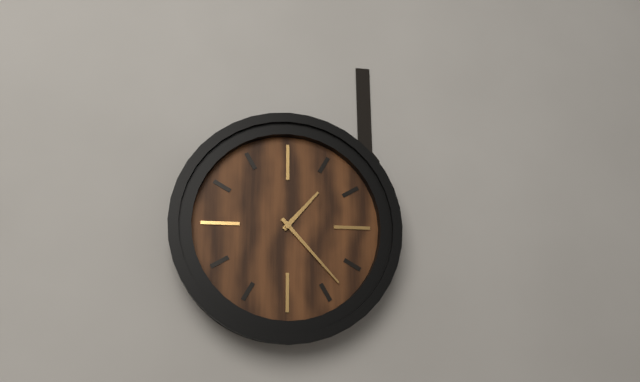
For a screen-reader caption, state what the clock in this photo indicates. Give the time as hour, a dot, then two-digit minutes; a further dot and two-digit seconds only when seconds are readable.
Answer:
1.23
